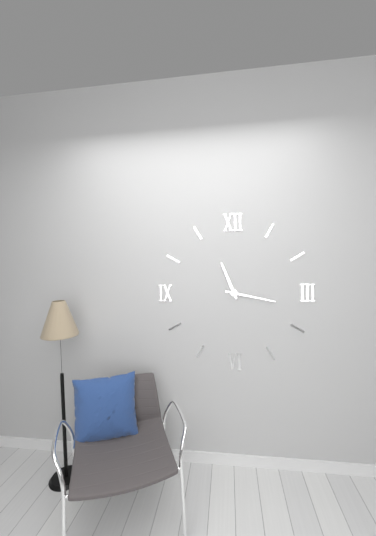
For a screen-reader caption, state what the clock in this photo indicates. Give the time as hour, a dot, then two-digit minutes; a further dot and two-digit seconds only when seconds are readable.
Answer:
11.17
